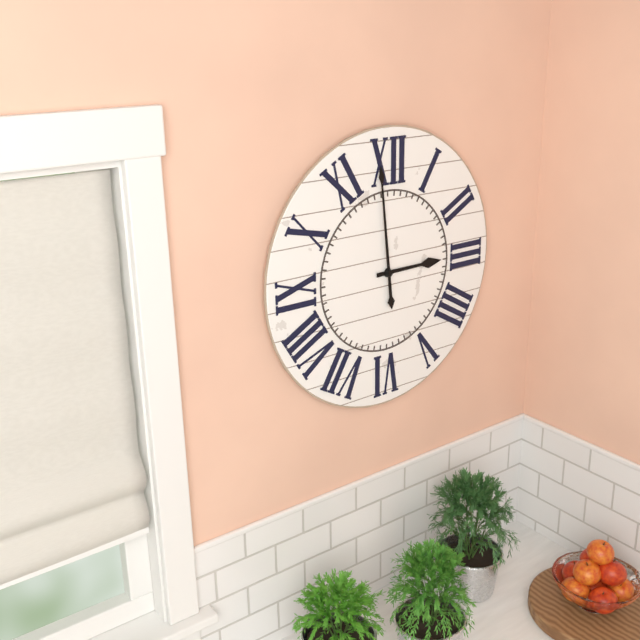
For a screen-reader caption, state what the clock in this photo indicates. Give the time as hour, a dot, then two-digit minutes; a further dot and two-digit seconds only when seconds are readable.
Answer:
2.59
